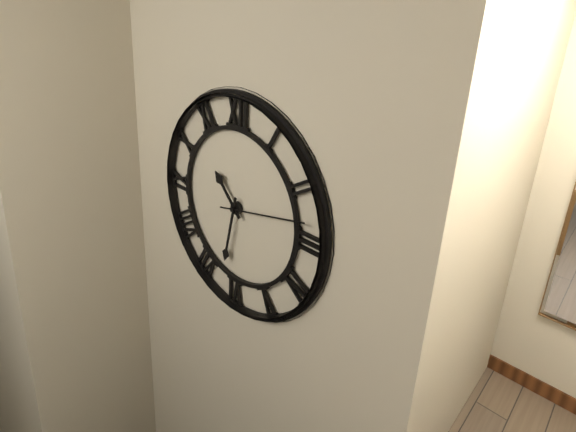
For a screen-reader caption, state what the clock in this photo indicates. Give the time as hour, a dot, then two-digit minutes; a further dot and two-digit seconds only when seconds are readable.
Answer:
10.32.13
